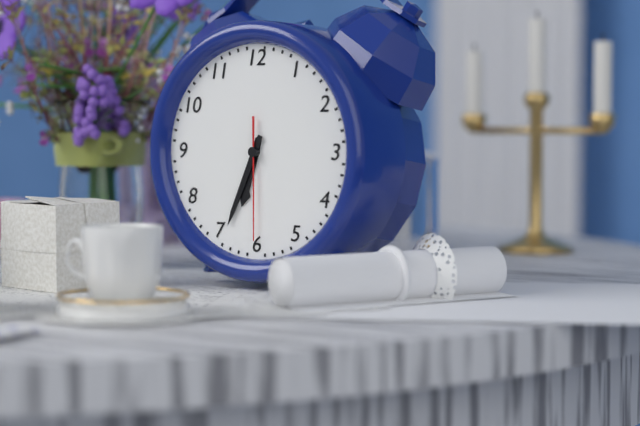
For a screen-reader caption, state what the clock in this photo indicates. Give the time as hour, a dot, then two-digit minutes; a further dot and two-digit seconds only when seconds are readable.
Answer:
6.34.30
